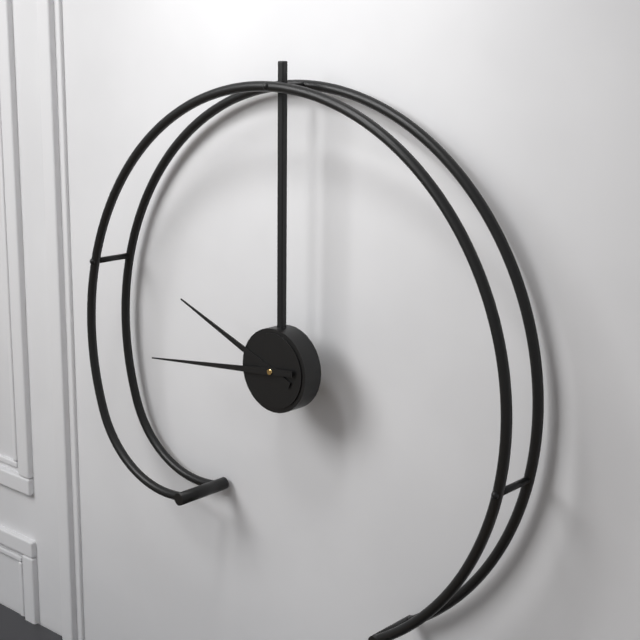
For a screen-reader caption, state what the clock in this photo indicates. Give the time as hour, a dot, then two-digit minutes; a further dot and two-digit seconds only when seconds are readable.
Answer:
9.44
